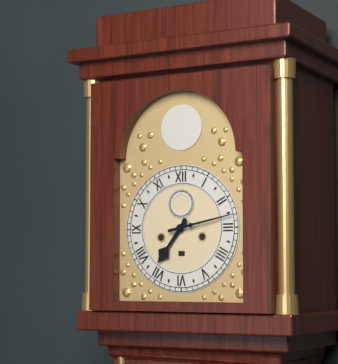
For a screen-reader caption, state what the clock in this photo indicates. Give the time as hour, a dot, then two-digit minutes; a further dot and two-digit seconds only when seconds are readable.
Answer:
7.13
